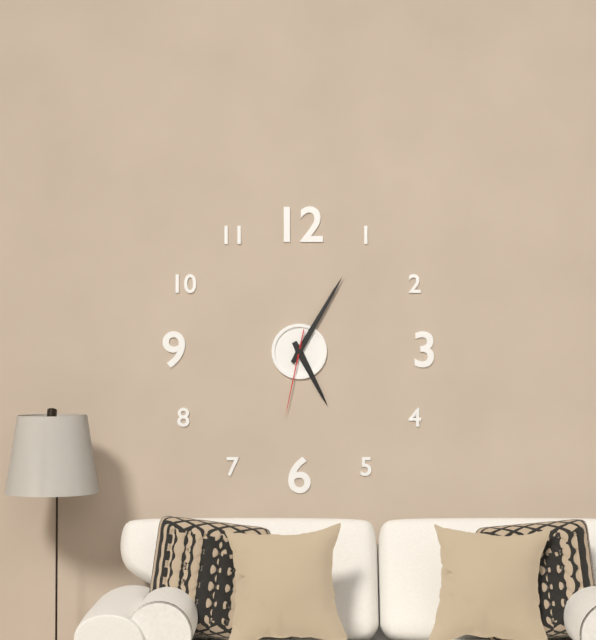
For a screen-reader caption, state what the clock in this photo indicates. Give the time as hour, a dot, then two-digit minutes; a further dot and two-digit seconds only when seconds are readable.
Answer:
5.05.32
